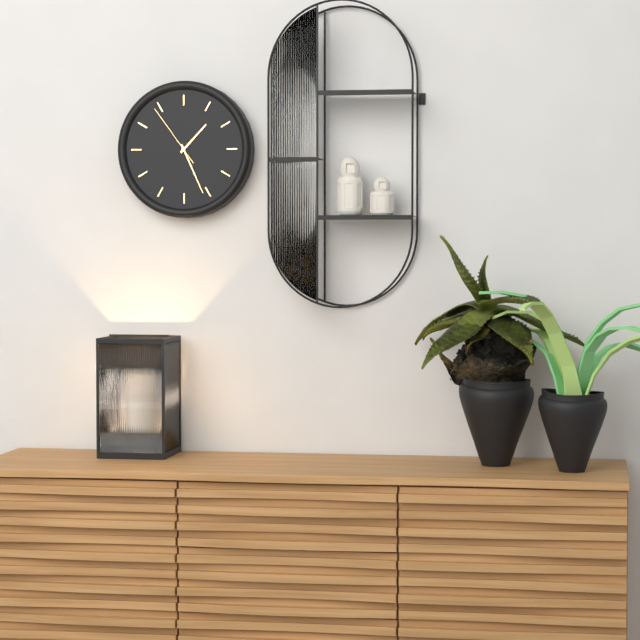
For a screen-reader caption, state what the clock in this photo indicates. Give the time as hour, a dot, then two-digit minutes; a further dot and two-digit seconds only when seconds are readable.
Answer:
1.26.54
